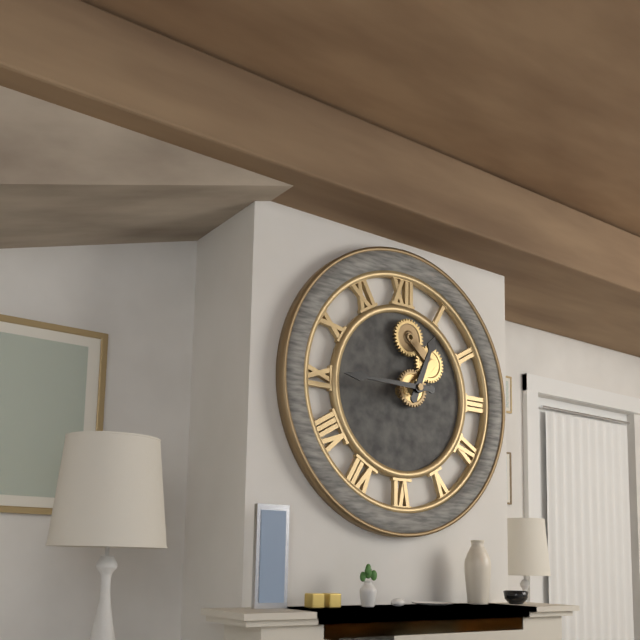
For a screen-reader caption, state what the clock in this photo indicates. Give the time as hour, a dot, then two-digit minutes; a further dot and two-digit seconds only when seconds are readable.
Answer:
12.45
